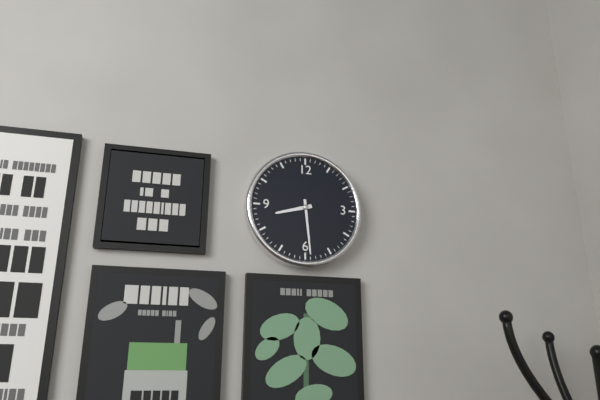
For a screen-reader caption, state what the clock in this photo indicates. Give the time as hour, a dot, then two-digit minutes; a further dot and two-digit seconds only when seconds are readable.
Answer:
8.29
